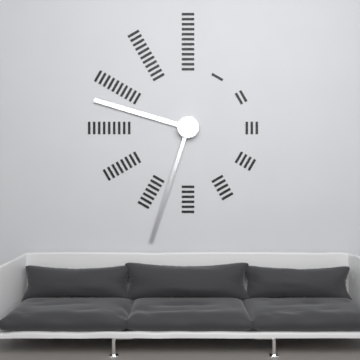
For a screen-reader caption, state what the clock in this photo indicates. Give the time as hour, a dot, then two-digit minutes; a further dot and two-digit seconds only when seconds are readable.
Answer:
9.33
